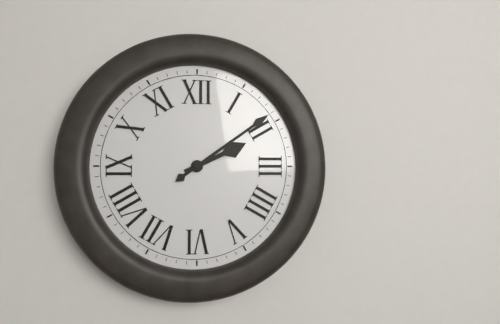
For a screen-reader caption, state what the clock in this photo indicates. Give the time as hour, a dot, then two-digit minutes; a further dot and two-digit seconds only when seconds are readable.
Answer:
2.09
